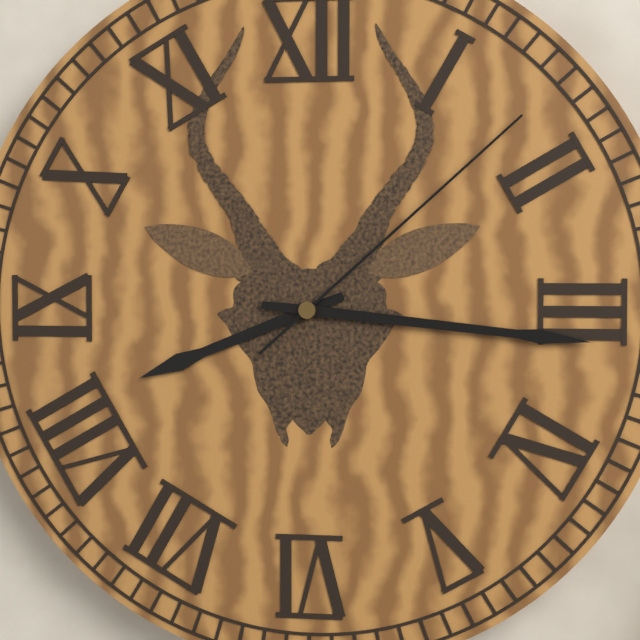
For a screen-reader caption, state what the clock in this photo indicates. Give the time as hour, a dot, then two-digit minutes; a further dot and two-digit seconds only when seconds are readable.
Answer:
8.16.08
